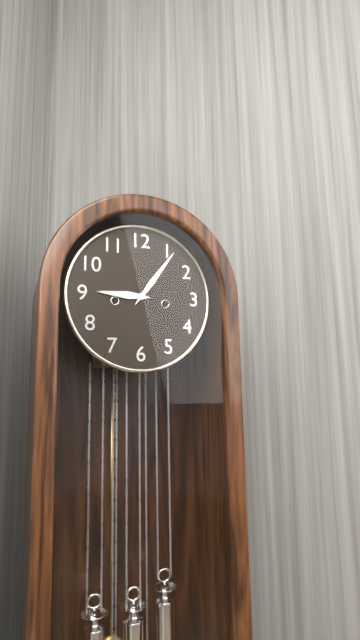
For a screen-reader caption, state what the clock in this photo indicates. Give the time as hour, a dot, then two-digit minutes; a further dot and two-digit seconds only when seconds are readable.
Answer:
9.06
